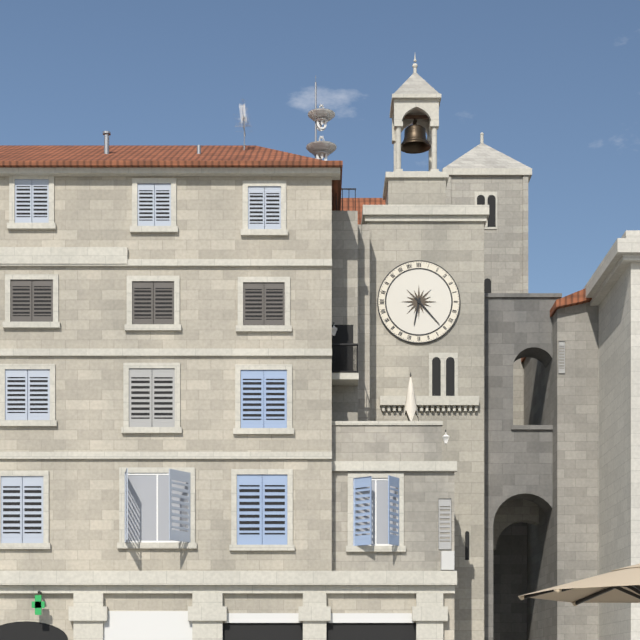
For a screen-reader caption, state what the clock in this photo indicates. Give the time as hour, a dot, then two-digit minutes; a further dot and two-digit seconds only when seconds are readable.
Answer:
6.23
